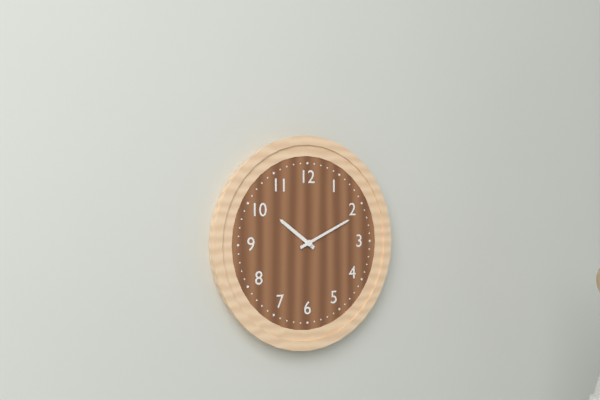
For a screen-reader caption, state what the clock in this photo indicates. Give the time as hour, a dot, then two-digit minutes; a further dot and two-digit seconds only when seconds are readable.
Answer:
10.11
